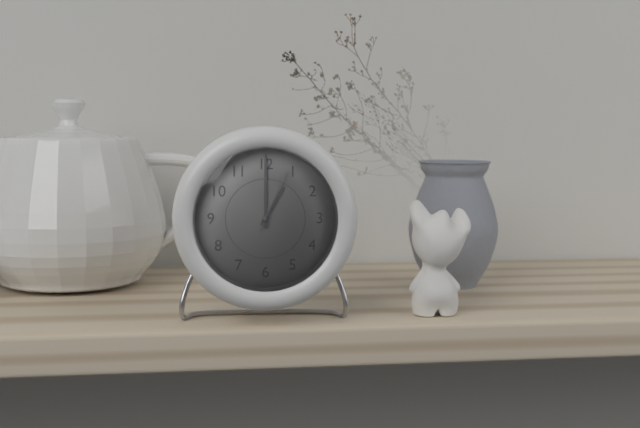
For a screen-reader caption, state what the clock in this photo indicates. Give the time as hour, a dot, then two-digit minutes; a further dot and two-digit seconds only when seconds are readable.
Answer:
1.00.04
